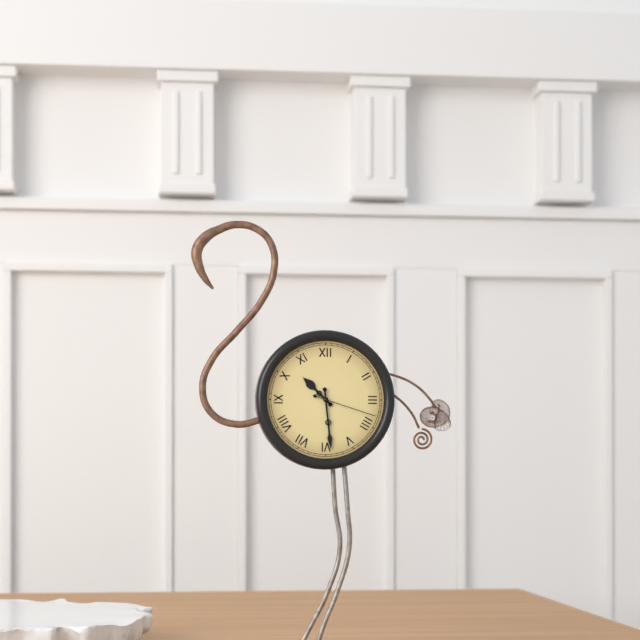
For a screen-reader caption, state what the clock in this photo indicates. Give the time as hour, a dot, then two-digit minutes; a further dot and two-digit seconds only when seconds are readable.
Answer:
10.29.18
